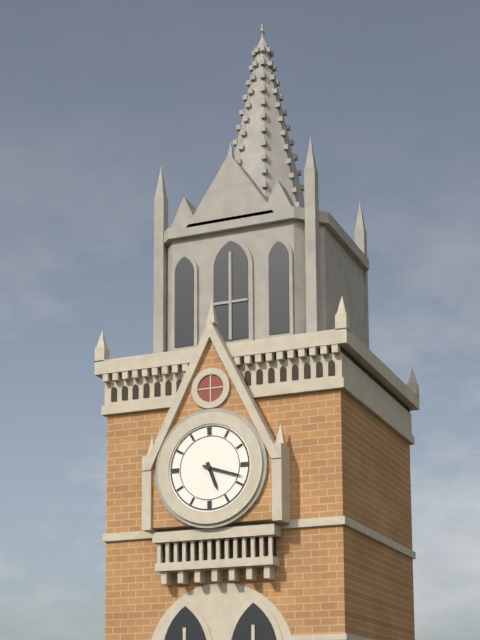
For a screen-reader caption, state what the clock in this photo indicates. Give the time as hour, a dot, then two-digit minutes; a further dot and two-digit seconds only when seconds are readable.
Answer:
5.18
